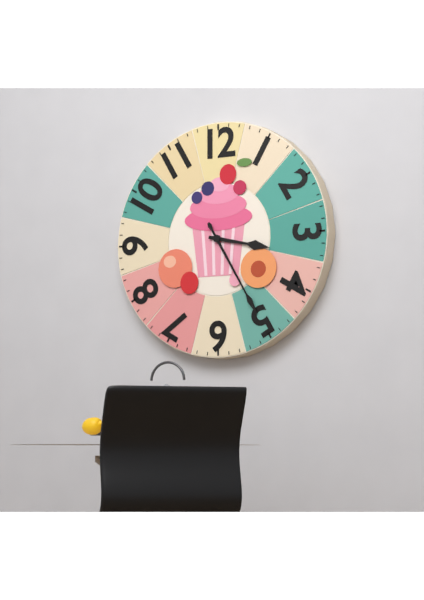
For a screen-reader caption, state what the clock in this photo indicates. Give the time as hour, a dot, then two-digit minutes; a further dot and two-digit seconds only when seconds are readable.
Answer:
3.25
